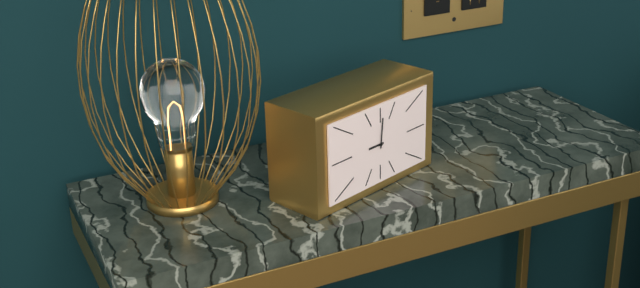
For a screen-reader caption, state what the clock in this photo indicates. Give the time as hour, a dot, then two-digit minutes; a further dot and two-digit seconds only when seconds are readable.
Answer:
9.01
